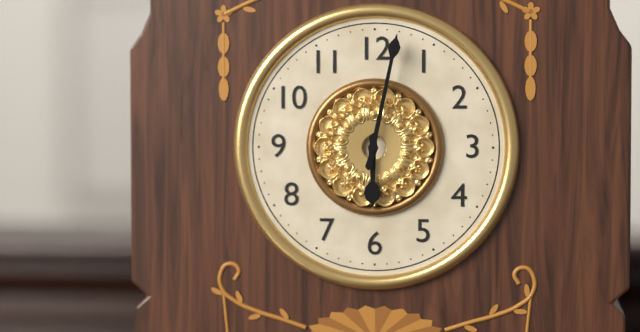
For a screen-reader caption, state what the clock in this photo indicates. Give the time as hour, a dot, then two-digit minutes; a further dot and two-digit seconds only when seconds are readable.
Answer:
6.02
